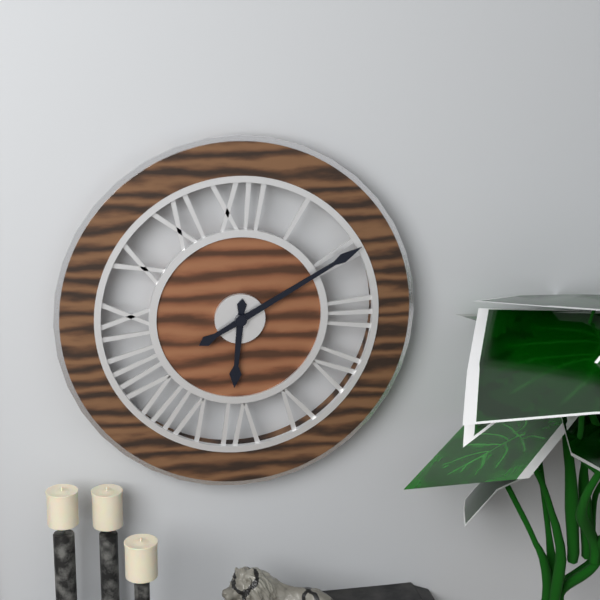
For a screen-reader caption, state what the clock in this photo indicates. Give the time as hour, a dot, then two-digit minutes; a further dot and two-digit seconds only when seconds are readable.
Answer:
6.10
